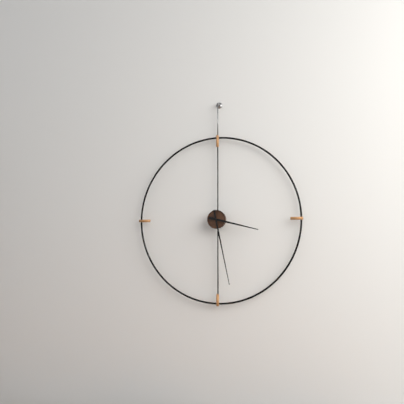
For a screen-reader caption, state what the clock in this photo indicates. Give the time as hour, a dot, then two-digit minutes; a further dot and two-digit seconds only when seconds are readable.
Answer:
3.28
